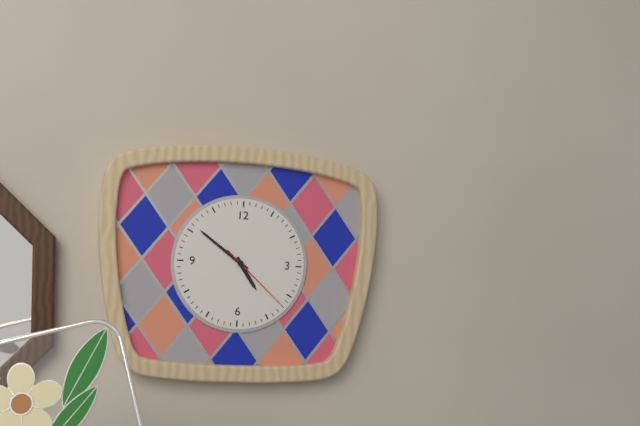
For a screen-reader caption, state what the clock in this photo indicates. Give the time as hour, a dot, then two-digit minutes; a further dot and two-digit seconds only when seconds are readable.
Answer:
4.51.22
